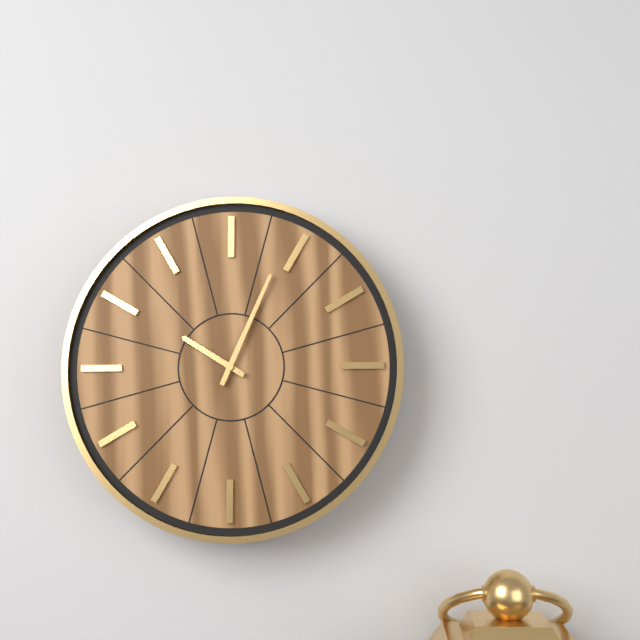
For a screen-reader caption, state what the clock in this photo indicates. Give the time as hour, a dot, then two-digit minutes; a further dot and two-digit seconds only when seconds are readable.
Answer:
10.04
